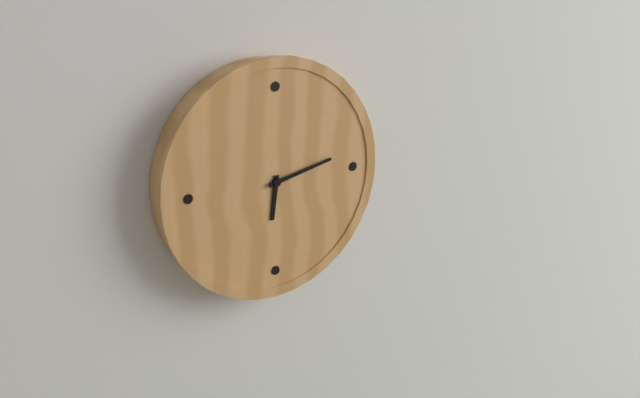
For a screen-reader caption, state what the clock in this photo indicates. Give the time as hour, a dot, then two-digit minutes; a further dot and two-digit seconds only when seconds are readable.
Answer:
6.13
